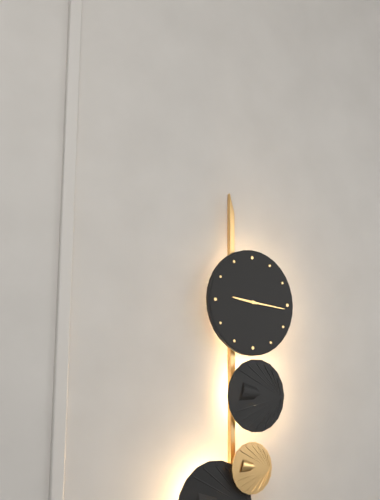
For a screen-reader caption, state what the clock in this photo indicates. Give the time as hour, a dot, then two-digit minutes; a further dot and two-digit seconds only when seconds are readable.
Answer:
9.16
